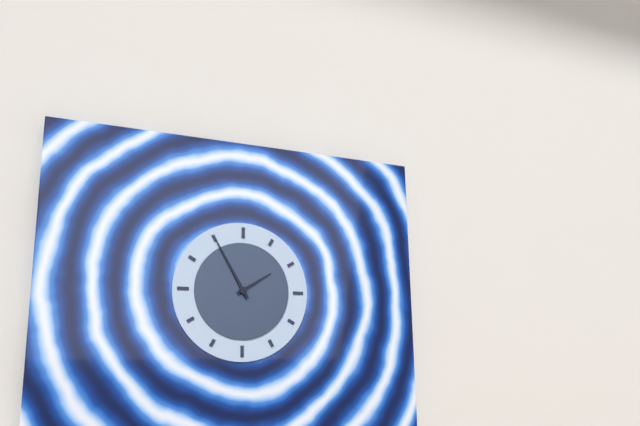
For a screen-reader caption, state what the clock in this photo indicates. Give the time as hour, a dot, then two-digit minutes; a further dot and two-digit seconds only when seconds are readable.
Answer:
1.55
